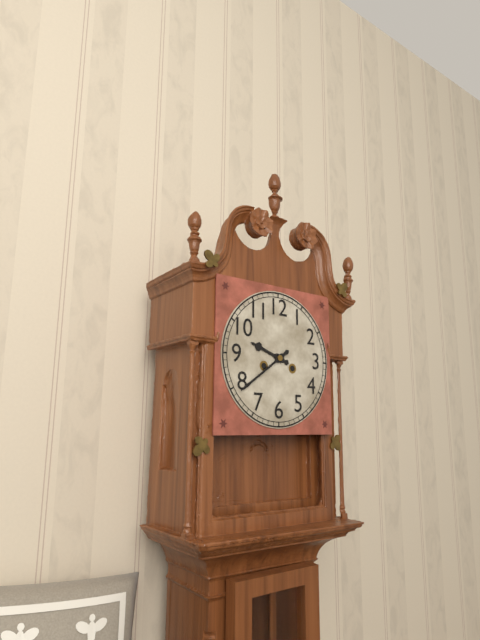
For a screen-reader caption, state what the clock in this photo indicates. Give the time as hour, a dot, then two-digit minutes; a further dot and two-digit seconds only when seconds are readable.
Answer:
9.39
